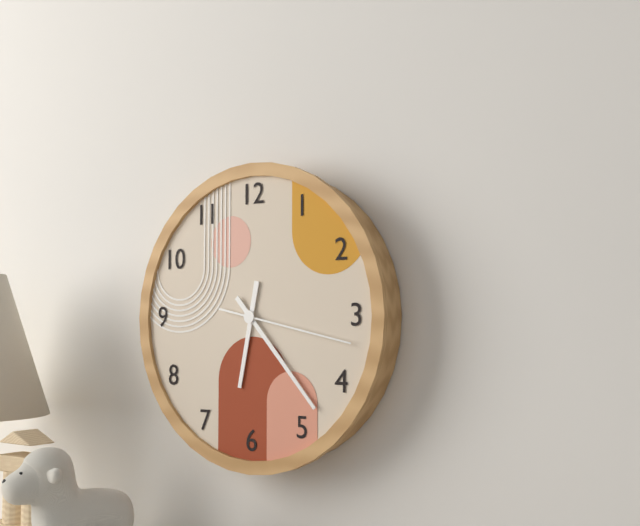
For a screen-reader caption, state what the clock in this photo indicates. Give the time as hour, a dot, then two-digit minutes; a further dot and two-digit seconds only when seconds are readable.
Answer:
6.23.17
